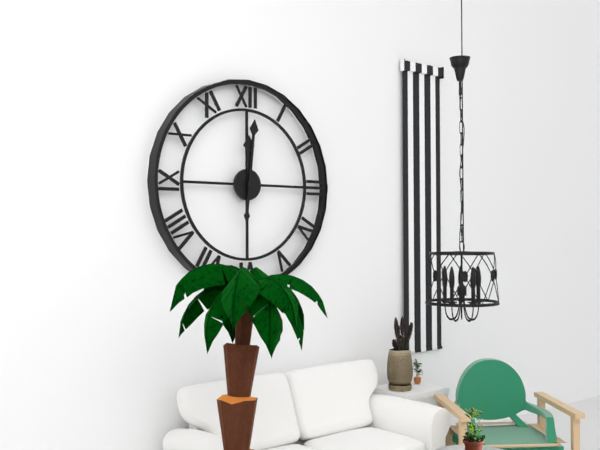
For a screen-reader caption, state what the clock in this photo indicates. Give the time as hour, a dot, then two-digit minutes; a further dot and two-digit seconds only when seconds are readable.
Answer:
12.01
